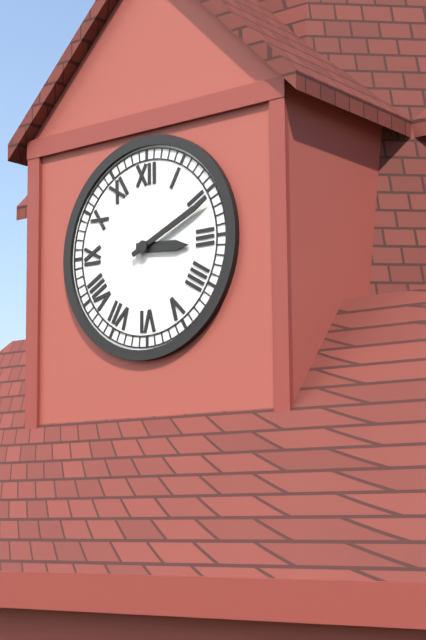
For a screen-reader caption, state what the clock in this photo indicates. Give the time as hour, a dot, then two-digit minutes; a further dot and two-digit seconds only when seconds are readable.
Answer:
3.11
